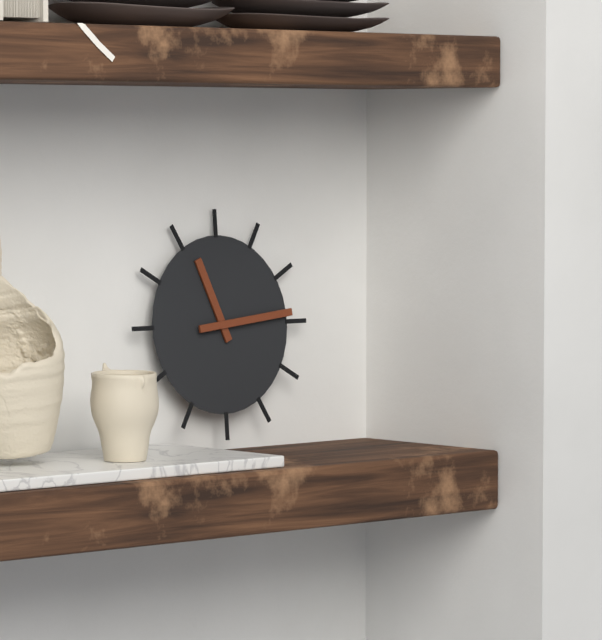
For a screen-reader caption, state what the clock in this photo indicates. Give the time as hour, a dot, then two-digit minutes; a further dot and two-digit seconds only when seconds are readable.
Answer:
11.14
